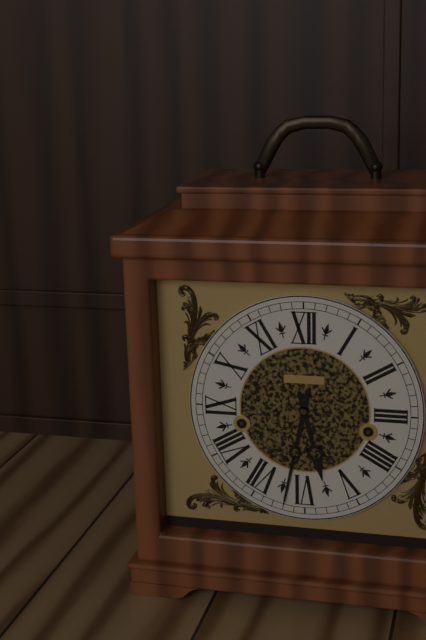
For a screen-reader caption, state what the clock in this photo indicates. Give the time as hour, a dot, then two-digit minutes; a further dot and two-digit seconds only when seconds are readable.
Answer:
5.32
